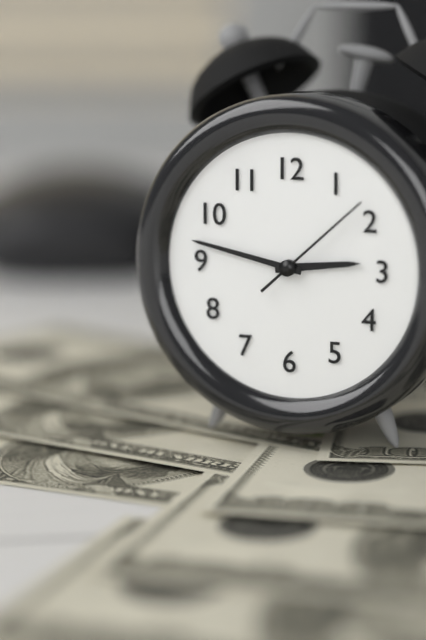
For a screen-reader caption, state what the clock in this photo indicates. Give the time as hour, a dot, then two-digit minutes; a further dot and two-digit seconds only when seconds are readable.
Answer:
2.47.08
